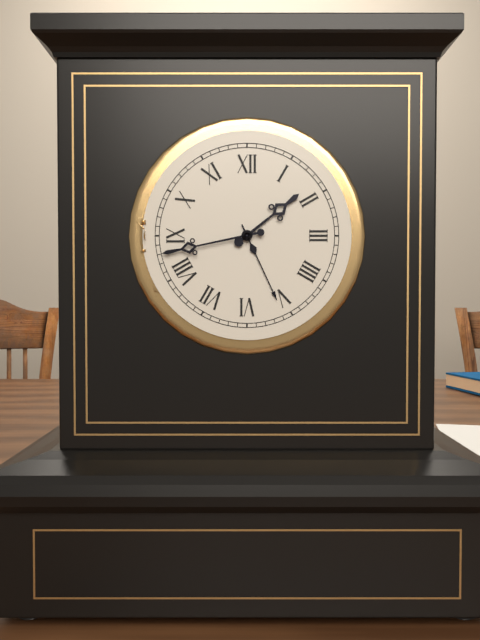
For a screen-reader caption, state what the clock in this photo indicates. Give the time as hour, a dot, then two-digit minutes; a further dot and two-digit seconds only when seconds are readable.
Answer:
1.43
